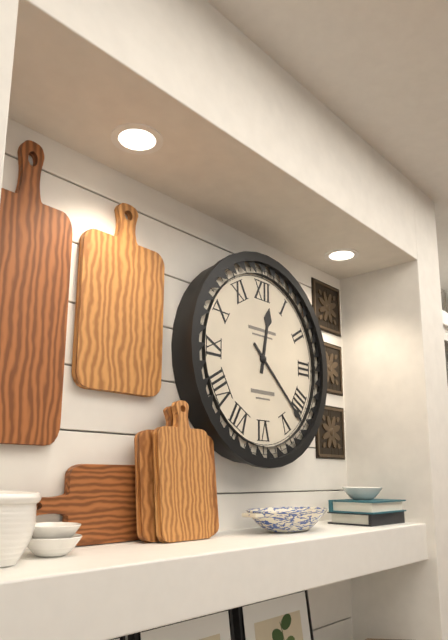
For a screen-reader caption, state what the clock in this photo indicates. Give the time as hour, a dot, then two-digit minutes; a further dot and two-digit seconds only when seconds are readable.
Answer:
12.22
